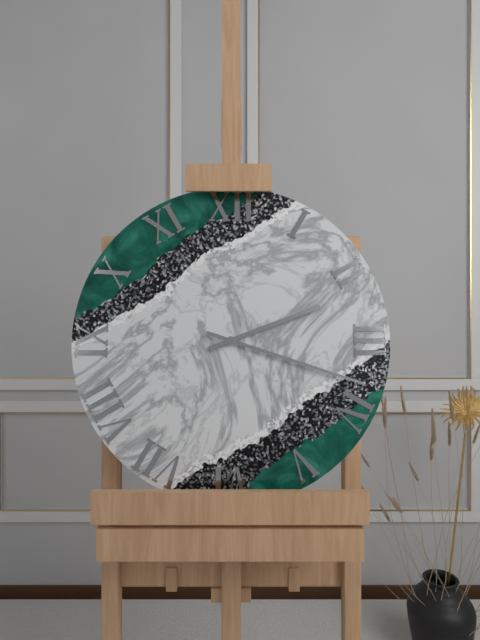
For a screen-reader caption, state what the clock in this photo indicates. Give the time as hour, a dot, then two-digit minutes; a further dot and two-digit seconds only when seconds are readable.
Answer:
2.18
